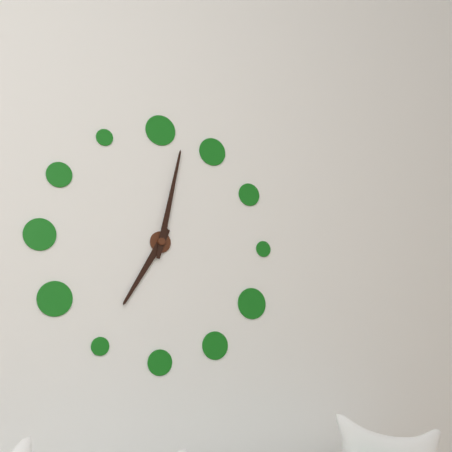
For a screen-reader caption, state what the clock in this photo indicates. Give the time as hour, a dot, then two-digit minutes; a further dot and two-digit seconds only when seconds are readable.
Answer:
7.02
